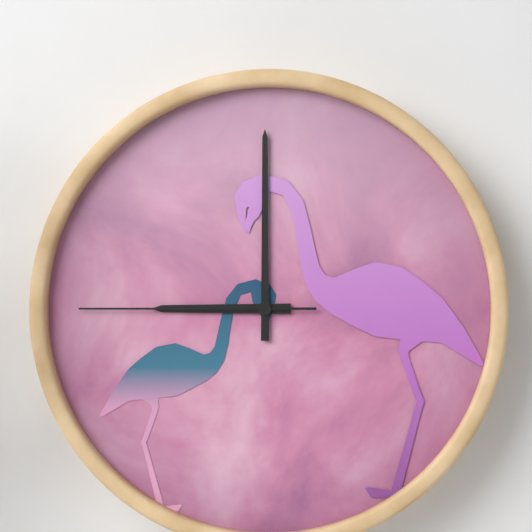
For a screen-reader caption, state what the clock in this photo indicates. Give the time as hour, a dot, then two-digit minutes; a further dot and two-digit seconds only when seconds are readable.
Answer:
9.00.45
